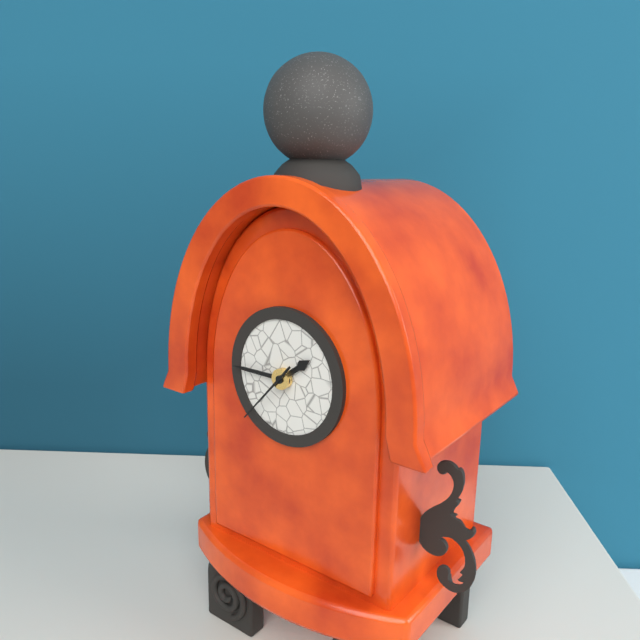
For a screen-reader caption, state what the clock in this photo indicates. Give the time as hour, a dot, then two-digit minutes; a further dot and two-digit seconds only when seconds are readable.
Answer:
1.45.37
